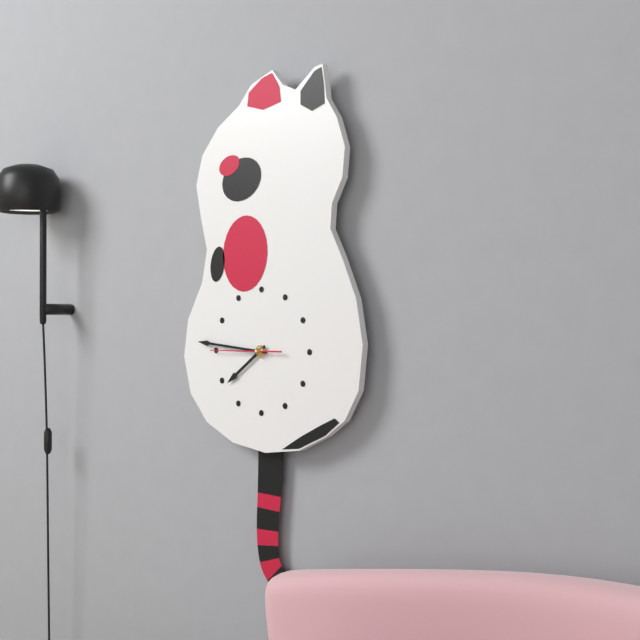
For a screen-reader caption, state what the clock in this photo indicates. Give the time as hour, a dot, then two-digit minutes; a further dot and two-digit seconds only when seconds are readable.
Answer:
7.46.45
